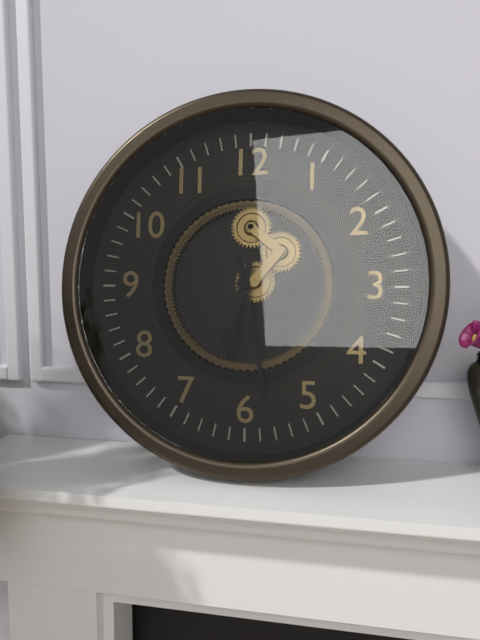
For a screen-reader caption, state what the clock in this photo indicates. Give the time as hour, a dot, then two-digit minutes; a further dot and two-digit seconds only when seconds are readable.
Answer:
6.28
